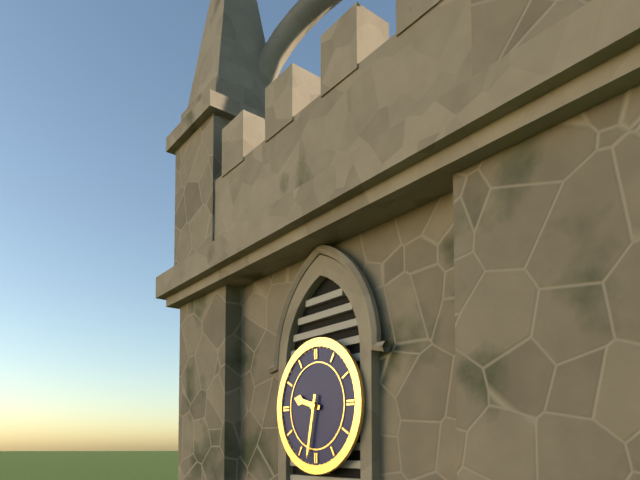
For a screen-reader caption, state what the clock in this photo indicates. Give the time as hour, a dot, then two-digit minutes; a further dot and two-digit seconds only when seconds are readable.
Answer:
9.32
